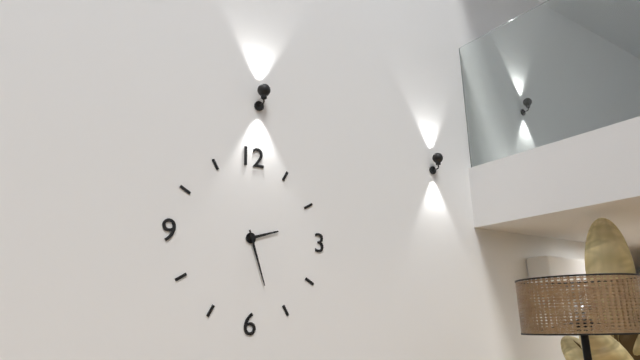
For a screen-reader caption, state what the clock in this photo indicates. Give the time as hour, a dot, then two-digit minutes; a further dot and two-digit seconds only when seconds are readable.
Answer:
2.27
